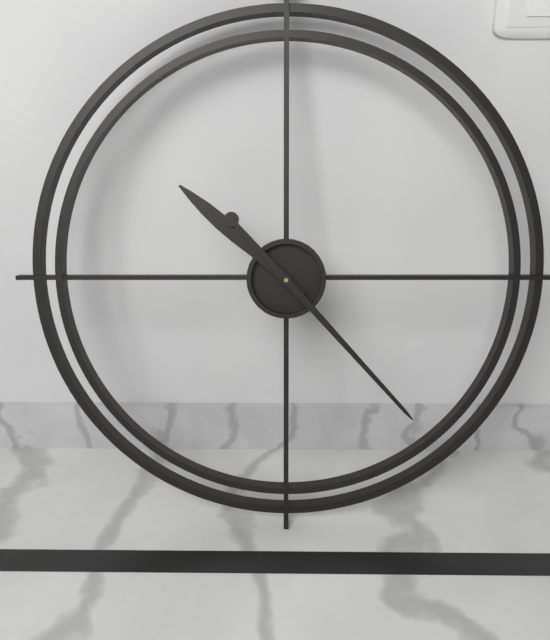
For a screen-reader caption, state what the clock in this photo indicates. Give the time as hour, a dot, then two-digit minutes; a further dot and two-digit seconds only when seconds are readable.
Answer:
10.23
